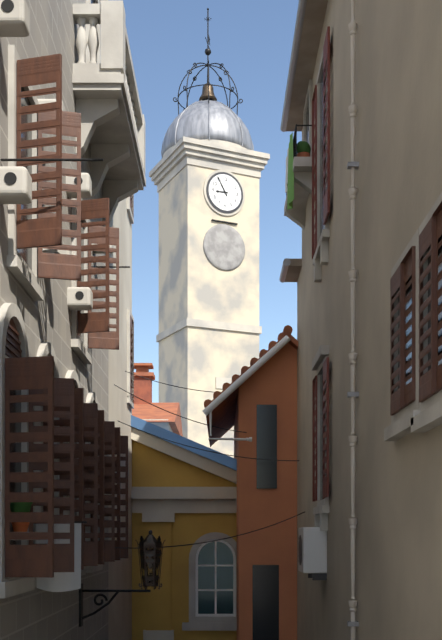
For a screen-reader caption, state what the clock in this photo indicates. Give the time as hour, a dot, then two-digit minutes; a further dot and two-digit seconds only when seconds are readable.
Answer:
8.55
